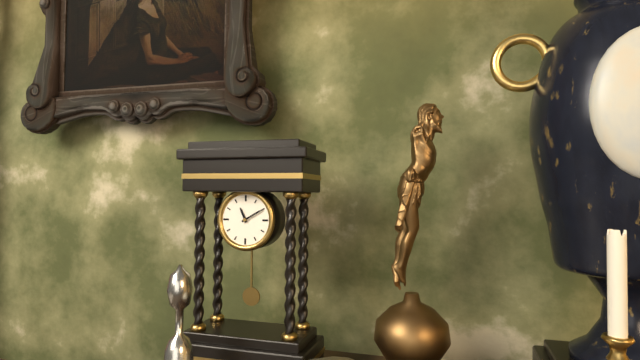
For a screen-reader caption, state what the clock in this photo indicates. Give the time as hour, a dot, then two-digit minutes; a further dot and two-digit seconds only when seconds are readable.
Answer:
11.10
